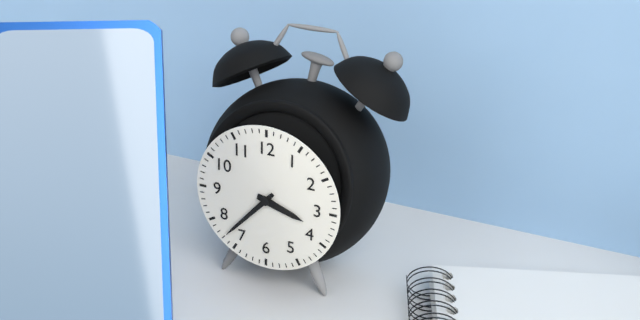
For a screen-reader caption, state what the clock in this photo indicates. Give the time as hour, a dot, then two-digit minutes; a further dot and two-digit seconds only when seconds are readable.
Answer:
3.37
